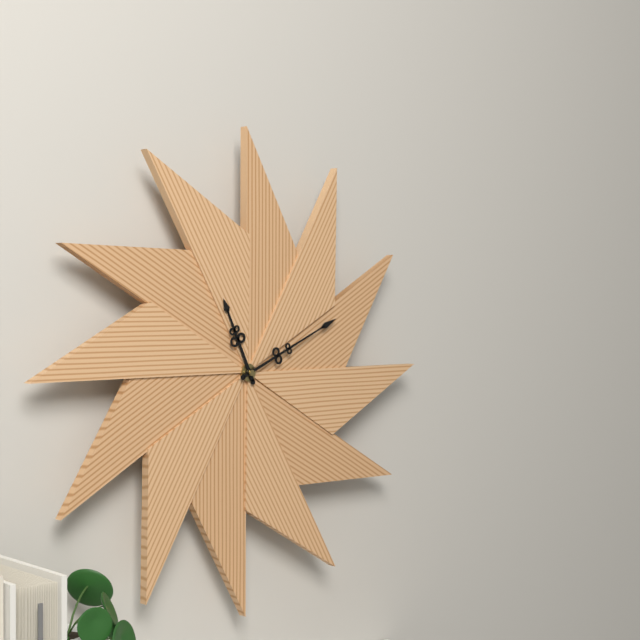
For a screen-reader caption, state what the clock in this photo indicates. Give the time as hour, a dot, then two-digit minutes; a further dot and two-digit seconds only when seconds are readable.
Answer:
11.11
